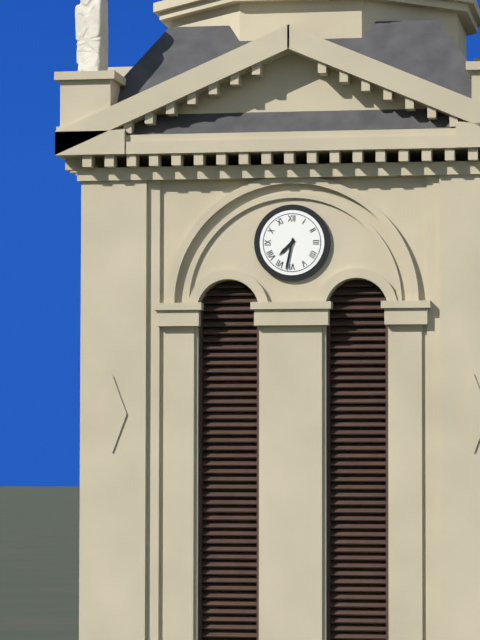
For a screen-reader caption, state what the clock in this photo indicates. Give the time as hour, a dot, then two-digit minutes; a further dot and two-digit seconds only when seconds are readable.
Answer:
7.32
